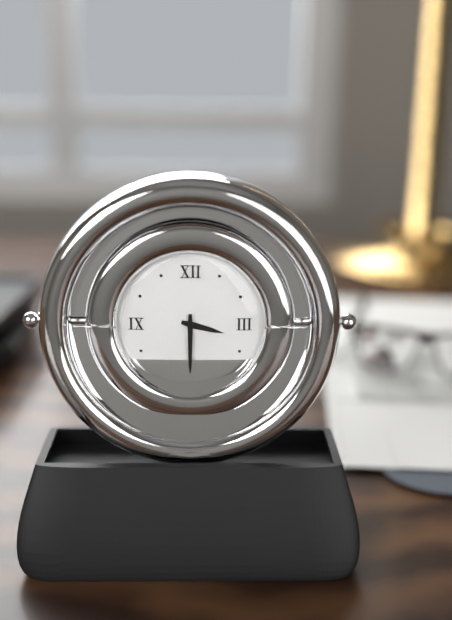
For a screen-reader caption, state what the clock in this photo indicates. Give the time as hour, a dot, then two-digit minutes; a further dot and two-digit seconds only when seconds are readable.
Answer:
3.30
